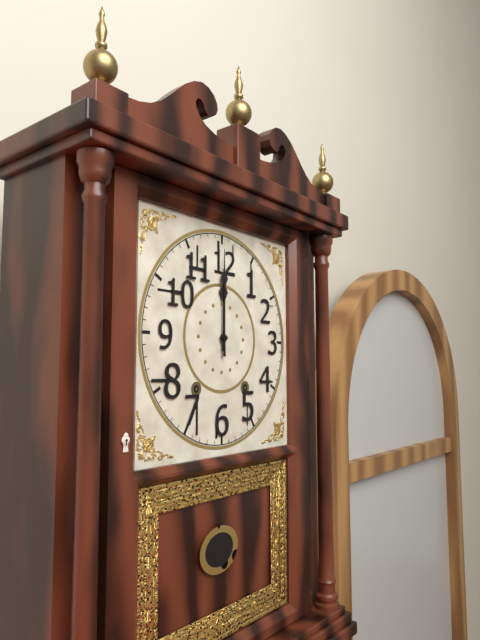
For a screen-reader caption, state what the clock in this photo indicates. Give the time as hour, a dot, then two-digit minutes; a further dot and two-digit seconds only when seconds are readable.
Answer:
12.00
